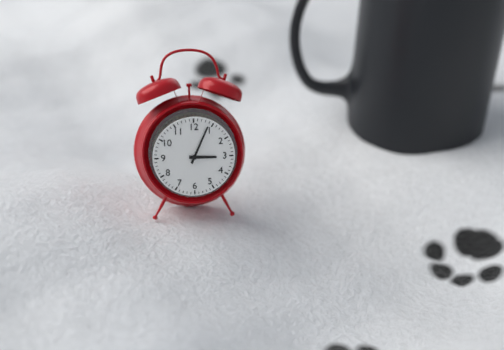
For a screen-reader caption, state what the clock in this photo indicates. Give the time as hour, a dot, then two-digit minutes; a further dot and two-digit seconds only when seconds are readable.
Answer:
3.04
